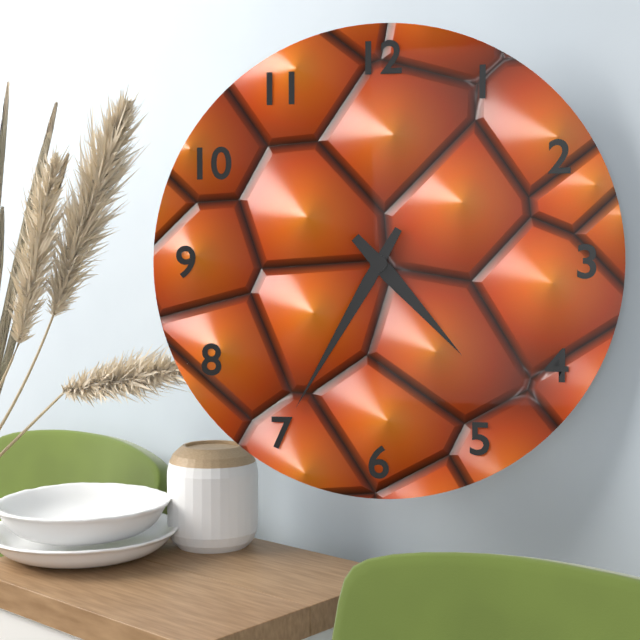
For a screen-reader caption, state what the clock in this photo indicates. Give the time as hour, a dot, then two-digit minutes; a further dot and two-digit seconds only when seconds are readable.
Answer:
4.35
